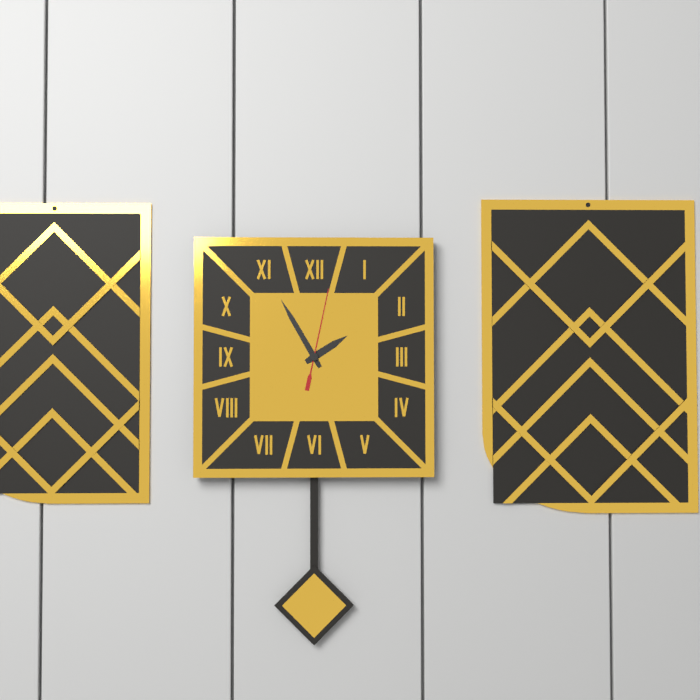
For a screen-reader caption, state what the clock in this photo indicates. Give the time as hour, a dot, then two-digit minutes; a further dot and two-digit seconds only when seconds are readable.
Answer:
1.55.02
